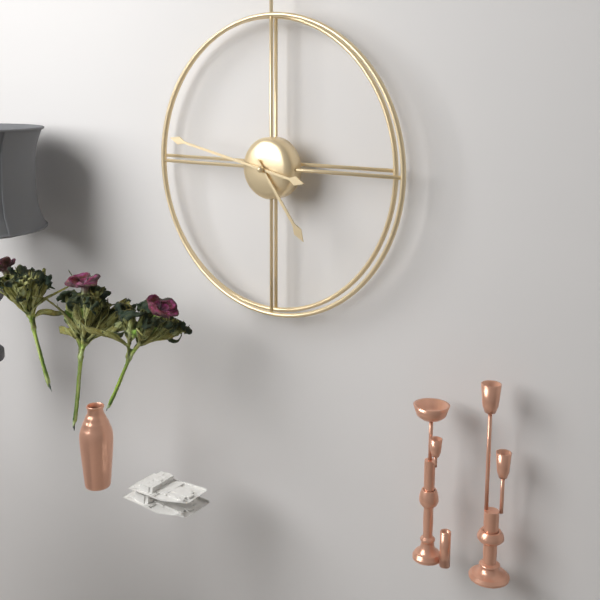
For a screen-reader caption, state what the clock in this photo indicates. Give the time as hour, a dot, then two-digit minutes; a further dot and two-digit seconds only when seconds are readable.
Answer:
4.47
